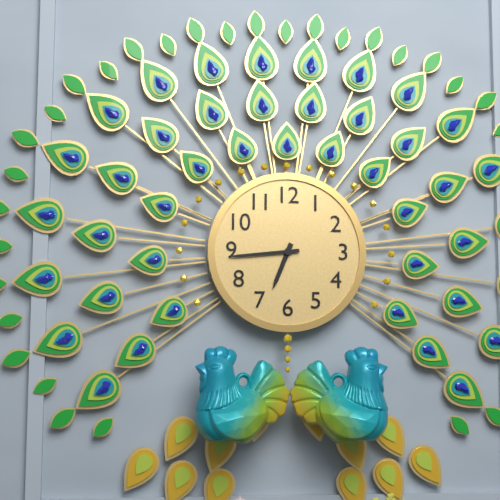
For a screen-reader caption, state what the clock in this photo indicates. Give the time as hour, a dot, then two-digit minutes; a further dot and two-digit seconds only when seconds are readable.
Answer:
6.44
